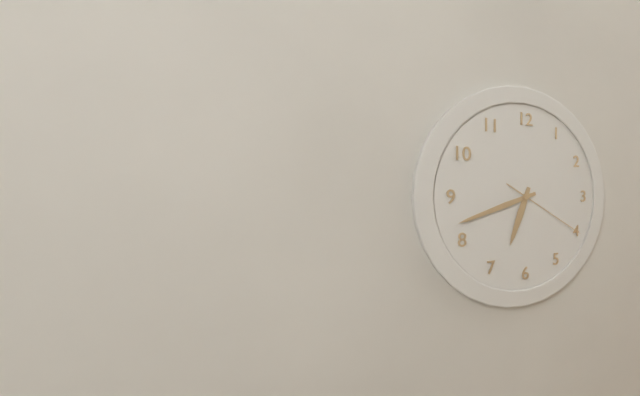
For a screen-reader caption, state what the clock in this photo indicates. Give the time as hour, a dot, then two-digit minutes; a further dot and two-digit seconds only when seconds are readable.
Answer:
6.42.20
